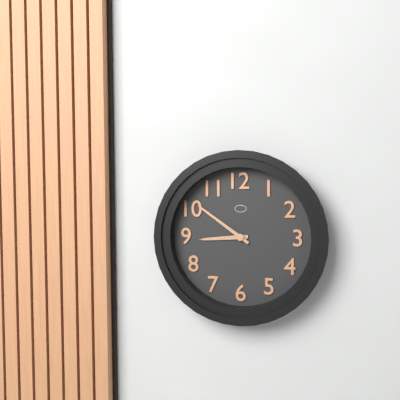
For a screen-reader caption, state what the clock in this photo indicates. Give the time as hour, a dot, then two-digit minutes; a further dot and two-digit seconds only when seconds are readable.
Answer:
8.51
